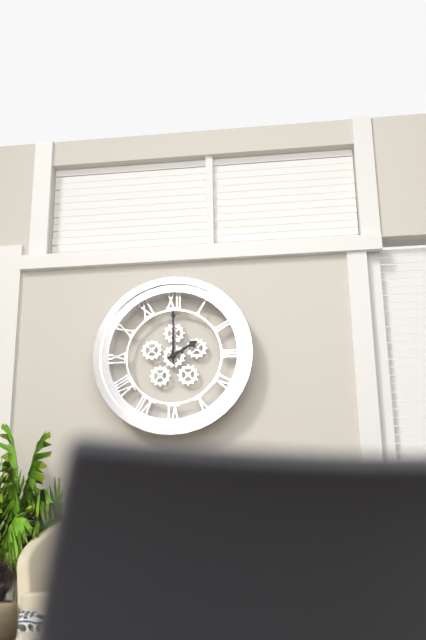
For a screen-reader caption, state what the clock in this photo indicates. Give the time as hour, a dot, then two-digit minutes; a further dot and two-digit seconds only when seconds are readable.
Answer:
2.00
